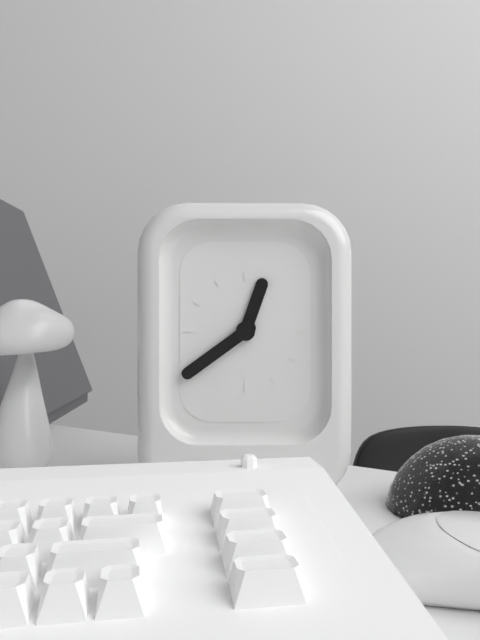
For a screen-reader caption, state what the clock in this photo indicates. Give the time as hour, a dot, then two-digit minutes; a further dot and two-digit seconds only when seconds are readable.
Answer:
12.39
